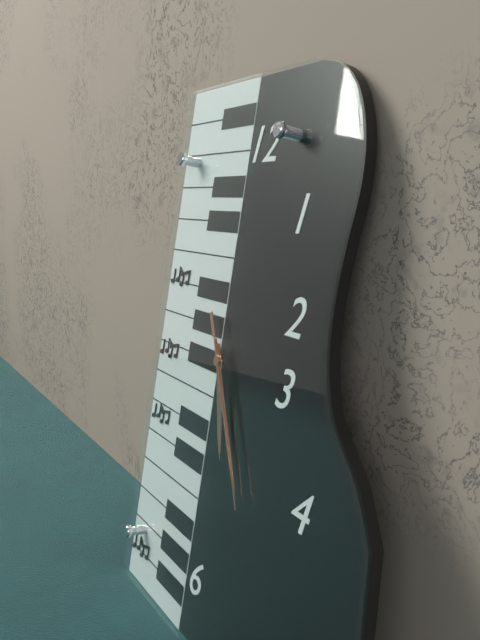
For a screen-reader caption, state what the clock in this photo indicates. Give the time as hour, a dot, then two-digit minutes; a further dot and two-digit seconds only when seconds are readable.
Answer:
5.25.25
